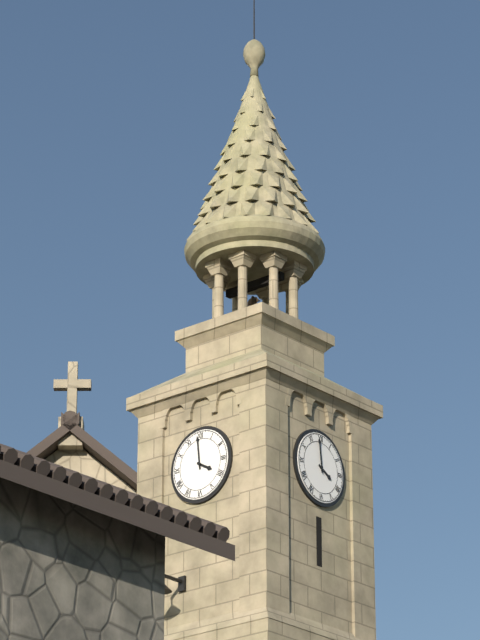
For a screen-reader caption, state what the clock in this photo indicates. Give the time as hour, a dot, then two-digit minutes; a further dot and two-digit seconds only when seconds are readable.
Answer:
3.59
